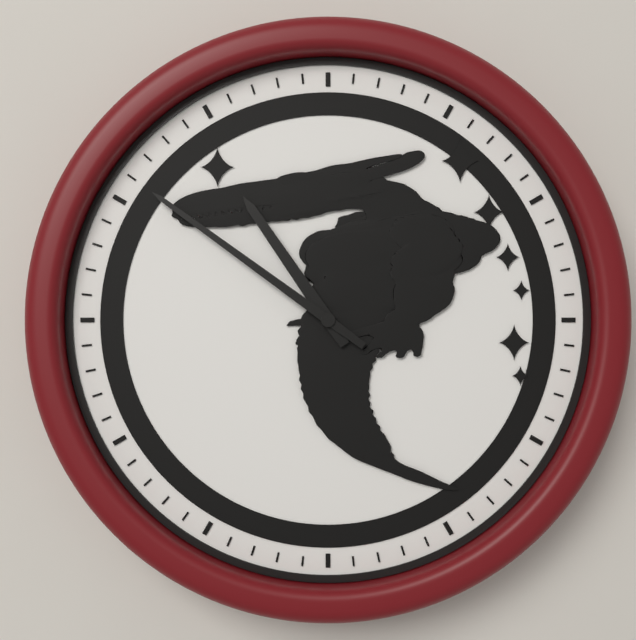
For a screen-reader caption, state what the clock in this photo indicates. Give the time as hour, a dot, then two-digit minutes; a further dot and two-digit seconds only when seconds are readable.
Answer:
10.51
